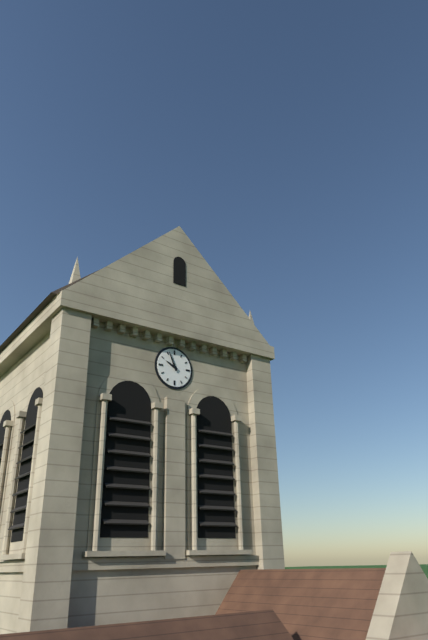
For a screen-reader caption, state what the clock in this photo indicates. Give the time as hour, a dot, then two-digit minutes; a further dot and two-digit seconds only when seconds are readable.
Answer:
9.56
